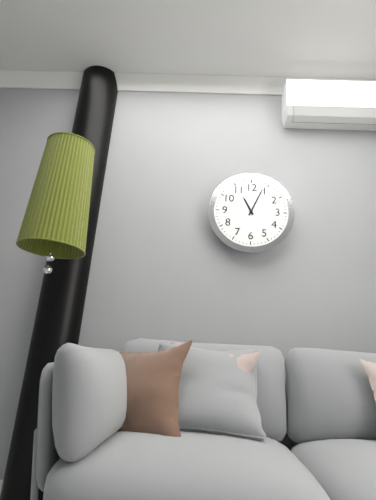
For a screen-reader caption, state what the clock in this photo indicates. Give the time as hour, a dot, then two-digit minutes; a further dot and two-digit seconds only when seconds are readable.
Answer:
11.04
